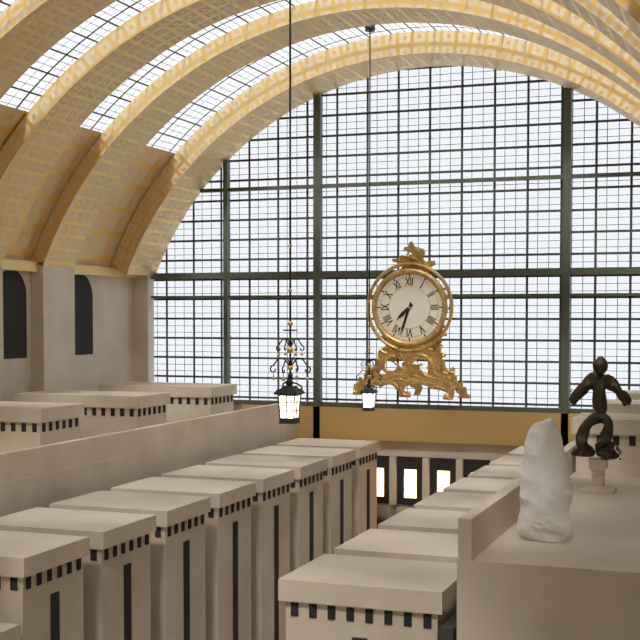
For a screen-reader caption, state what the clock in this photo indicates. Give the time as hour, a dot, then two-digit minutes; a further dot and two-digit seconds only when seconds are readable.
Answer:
7.33
